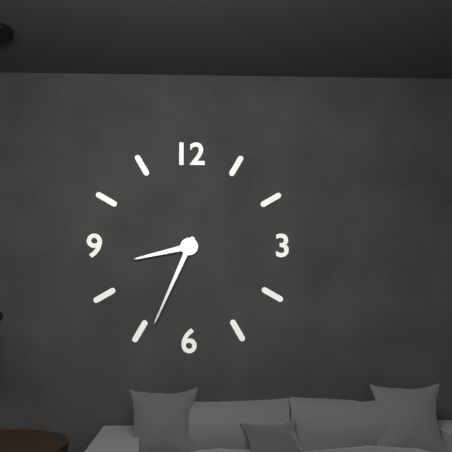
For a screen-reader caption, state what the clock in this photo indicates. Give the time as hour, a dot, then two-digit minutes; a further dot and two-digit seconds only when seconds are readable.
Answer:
8.34
